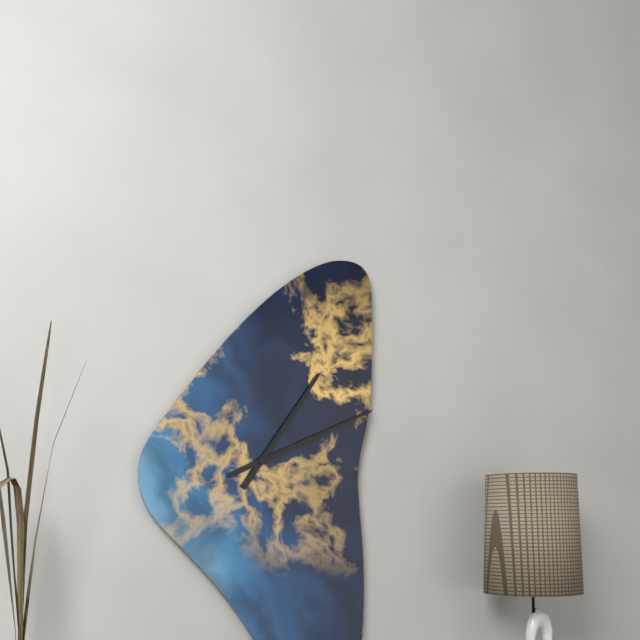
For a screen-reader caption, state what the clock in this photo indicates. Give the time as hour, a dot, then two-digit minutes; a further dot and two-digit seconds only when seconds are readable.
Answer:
1.11
